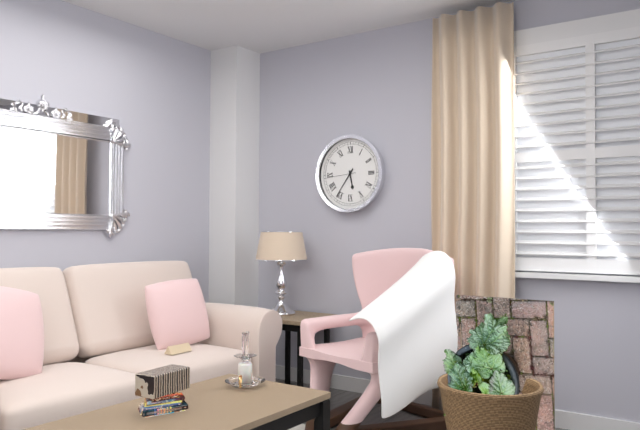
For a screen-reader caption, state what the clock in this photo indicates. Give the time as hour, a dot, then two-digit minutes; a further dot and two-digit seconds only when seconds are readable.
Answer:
5.36
